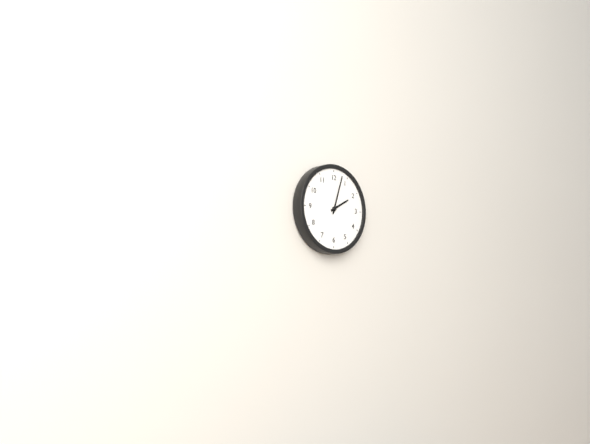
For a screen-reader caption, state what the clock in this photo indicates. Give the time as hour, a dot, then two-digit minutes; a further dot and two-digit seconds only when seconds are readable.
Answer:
2.03
